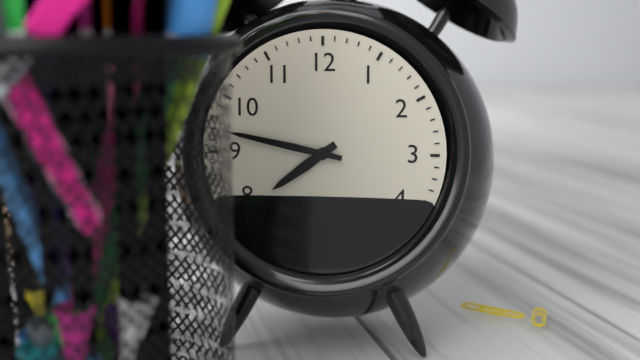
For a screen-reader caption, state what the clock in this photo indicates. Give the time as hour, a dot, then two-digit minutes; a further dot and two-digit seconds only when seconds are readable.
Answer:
7.47
